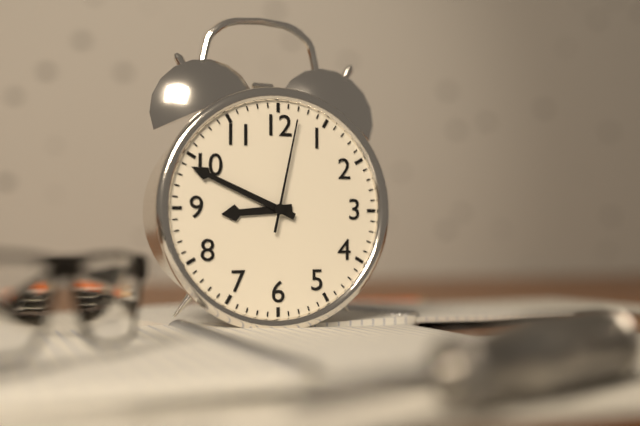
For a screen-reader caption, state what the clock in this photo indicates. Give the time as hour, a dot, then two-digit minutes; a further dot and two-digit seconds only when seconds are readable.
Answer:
8.49.02
